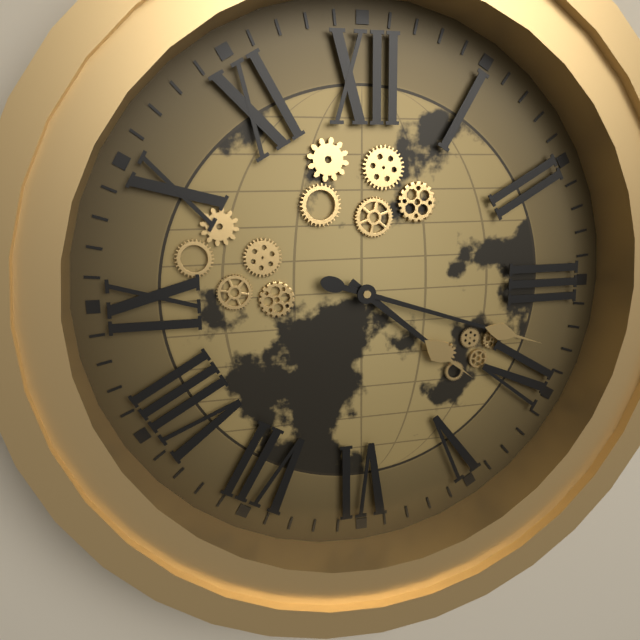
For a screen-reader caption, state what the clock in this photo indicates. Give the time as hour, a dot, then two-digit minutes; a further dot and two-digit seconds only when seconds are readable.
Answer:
4.18
